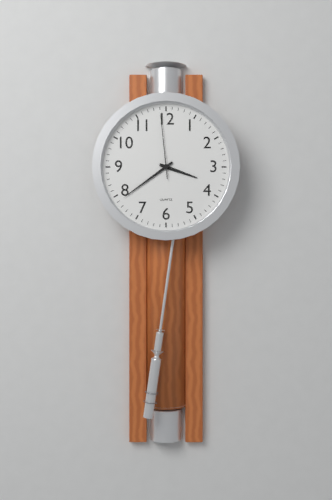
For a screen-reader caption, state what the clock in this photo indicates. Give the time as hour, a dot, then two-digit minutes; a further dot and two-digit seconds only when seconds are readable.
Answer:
3.39.59
